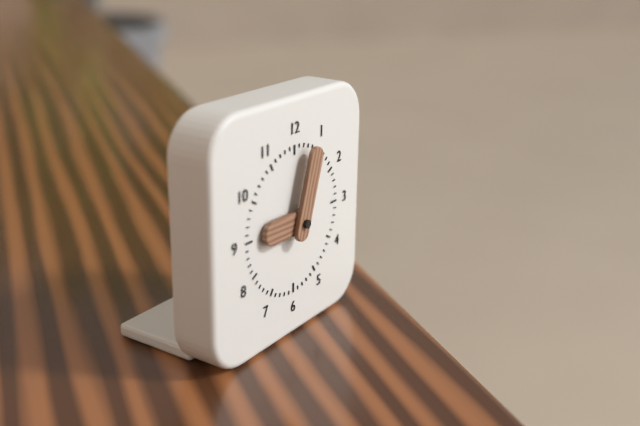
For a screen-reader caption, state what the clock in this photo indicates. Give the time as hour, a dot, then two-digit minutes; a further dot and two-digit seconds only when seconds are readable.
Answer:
9.03
